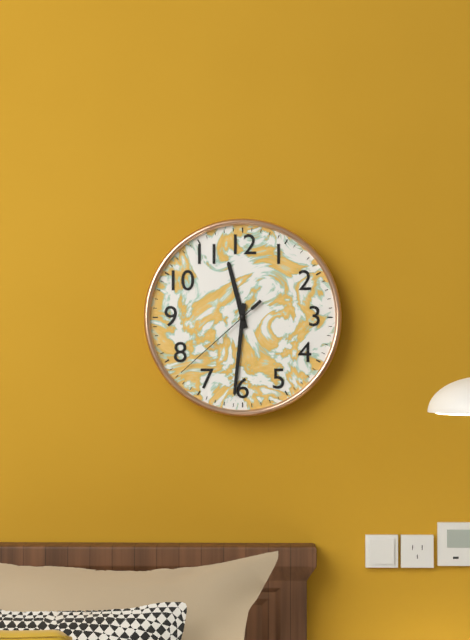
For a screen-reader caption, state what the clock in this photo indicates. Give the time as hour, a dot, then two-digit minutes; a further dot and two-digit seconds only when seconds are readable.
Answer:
11.31.38
